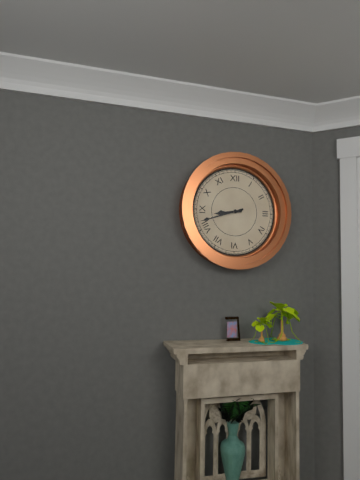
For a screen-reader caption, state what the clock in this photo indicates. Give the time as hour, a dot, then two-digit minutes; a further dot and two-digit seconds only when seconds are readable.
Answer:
8.42
